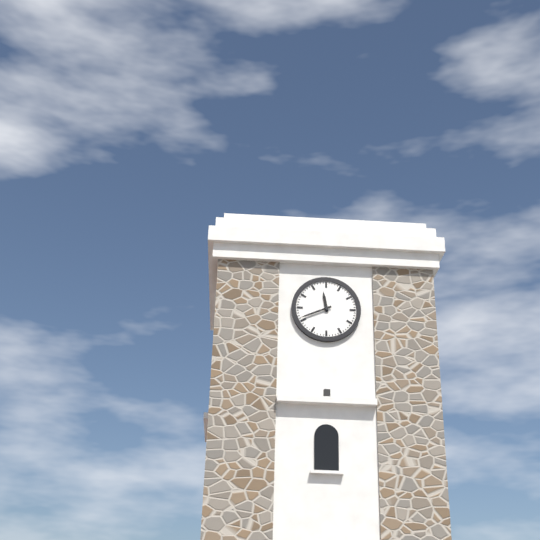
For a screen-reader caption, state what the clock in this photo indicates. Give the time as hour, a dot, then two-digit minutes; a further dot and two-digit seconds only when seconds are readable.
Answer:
11.41
